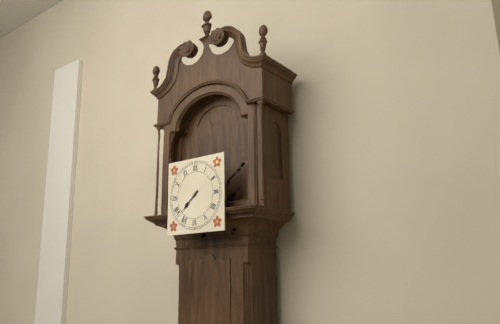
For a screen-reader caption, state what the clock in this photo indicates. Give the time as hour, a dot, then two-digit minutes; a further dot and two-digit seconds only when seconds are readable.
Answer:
7.38
